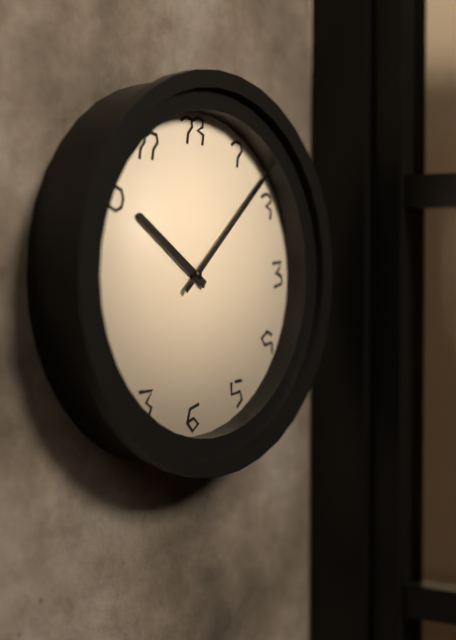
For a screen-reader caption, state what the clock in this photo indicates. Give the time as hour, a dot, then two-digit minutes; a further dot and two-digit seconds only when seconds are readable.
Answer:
10.08
